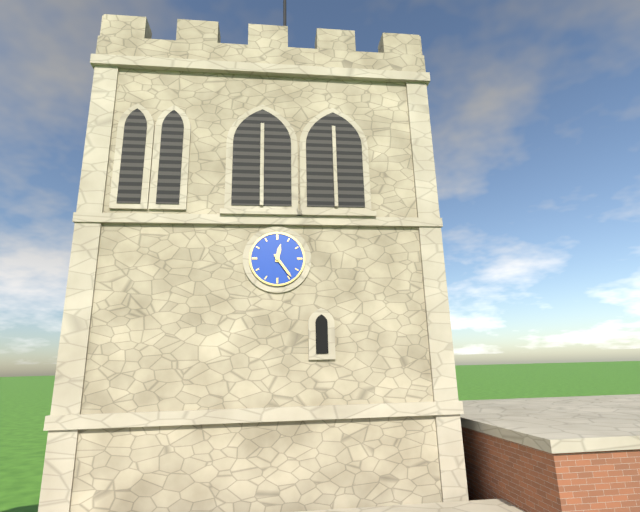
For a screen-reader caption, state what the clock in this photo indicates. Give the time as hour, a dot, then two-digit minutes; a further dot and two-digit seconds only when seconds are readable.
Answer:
12.24
